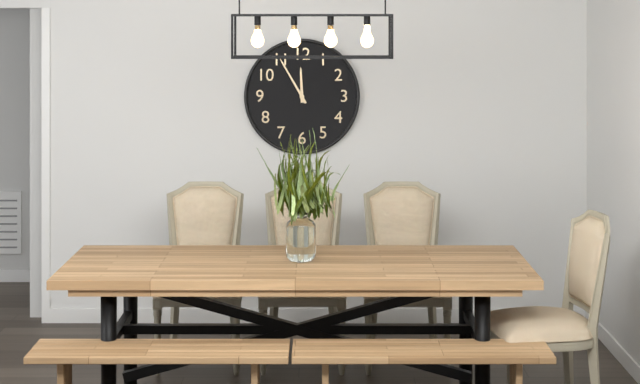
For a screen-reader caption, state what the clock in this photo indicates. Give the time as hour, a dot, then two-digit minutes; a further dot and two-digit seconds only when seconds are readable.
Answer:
11.55
